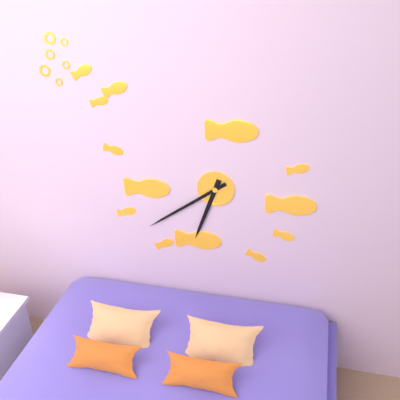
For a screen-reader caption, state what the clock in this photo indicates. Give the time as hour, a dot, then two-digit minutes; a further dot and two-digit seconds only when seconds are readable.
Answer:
6.39
